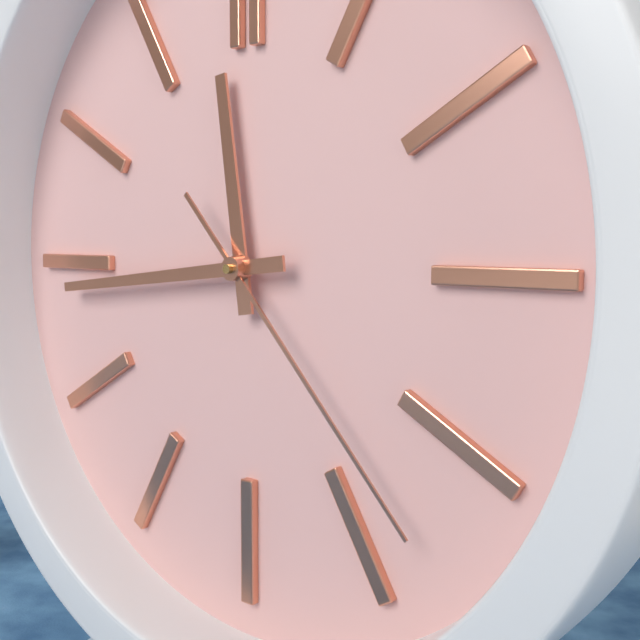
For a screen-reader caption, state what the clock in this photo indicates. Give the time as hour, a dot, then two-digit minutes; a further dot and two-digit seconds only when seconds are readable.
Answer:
11.44.23
